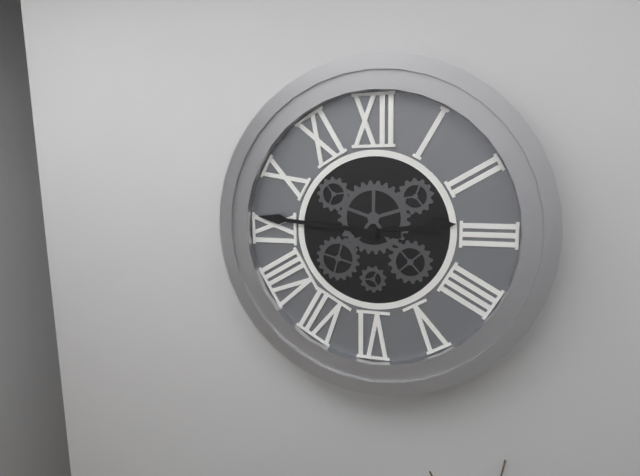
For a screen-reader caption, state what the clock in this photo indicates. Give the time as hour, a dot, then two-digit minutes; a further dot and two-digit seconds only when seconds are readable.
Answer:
2.46
